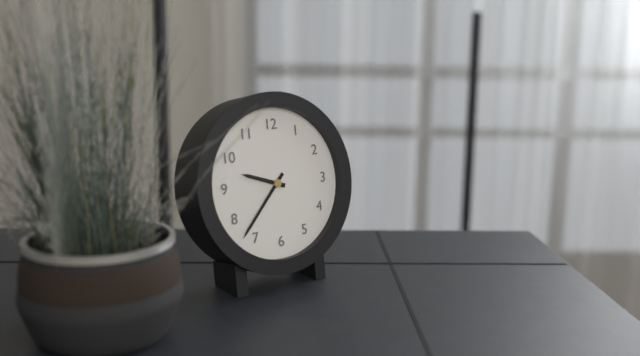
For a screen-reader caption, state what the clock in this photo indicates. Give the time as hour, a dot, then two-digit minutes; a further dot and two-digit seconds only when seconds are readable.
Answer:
9.37
